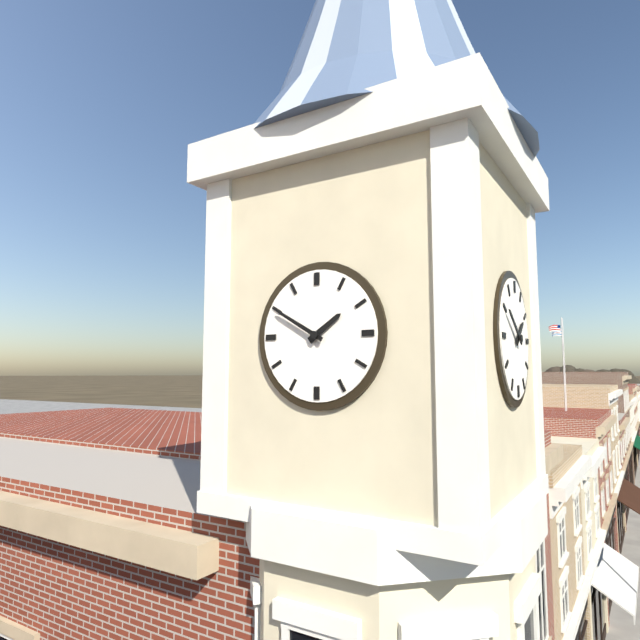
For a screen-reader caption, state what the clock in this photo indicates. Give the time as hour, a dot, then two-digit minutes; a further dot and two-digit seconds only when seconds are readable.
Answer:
1.50
